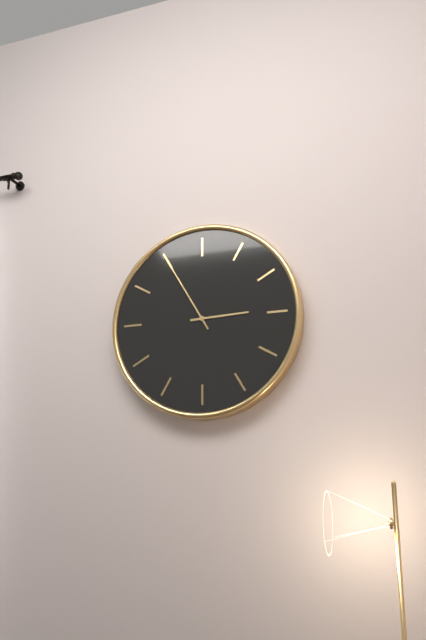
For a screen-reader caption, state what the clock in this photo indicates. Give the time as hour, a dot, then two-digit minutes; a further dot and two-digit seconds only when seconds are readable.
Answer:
2.55
